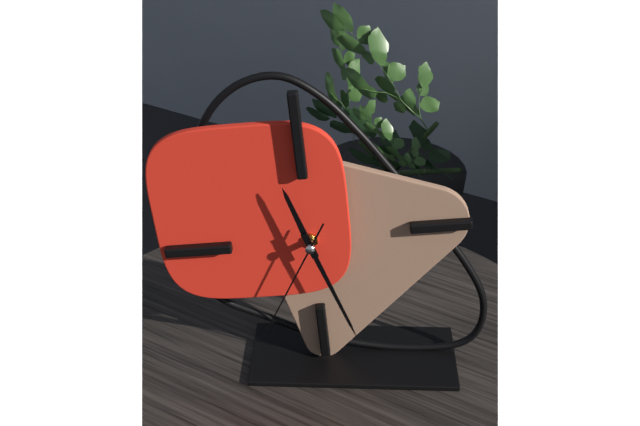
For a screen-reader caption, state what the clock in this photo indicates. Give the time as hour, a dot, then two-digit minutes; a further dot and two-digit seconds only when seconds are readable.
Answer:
11.27.35
